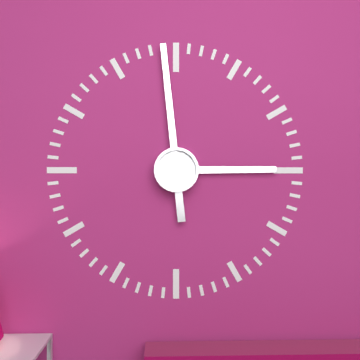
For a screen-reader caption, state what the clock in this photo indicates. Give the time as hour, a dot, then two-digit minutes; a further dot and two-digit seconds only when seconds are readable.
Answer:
2.59
